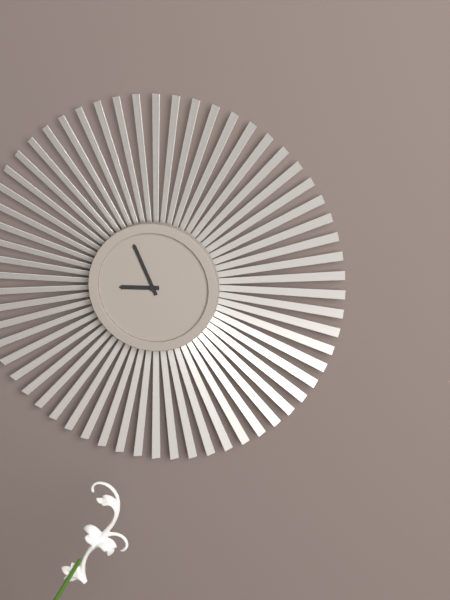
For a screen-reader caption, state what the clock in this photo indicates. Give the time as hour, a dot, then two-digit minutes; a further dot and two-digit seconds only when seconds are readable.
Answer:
8.56
